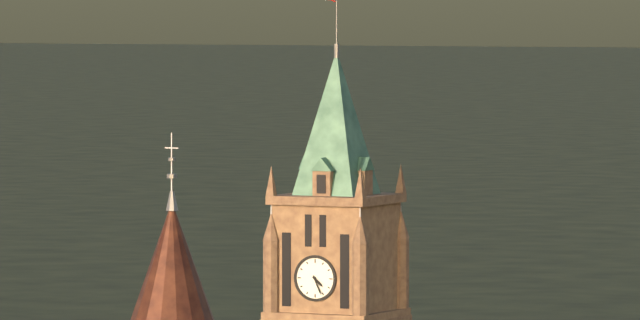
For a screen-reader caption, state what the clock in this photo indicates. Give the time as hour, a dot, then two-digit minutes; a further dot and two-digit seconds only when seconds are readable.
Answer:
4.26
